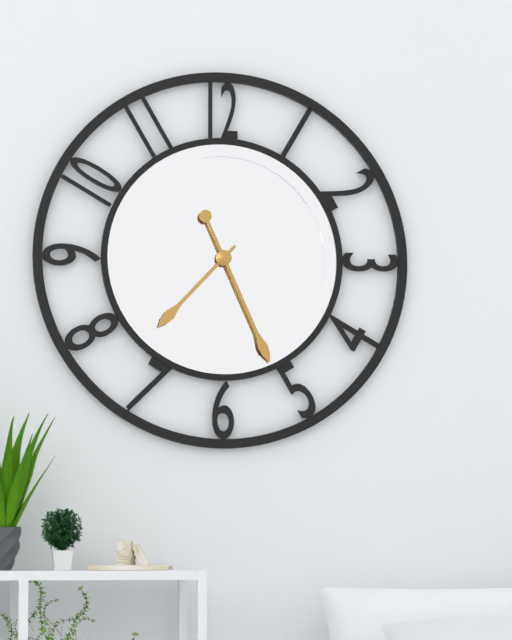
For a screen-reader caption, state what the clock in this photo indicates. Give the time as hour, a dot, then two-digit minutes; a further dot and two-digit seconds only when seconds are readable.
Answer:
7.26
